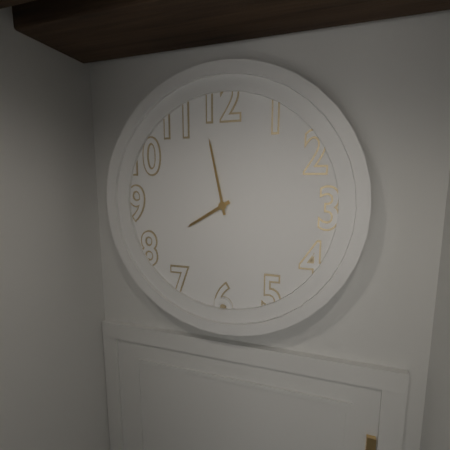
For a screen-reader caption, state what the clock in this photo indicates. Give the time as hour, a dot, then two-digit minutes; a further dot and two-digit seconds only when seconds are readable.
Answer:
7.58
